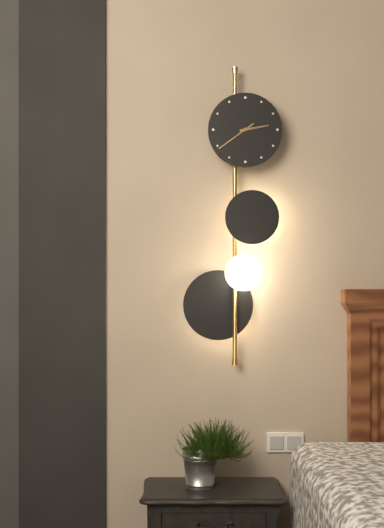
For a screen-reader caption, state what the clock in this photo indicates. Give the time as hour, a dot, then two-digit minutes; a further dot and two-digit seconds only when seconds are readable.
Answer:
2.39
